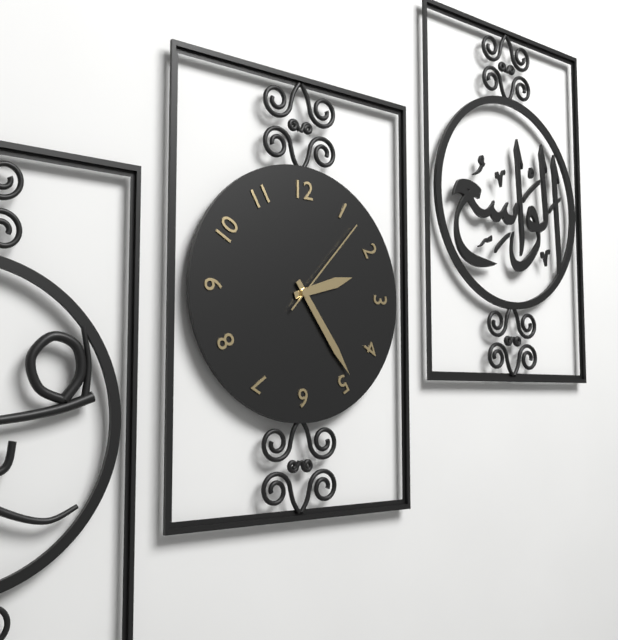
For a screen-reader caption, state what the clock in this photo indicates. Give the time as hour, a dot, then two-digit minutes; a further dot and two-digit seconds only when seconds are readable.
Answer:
2.24.07
